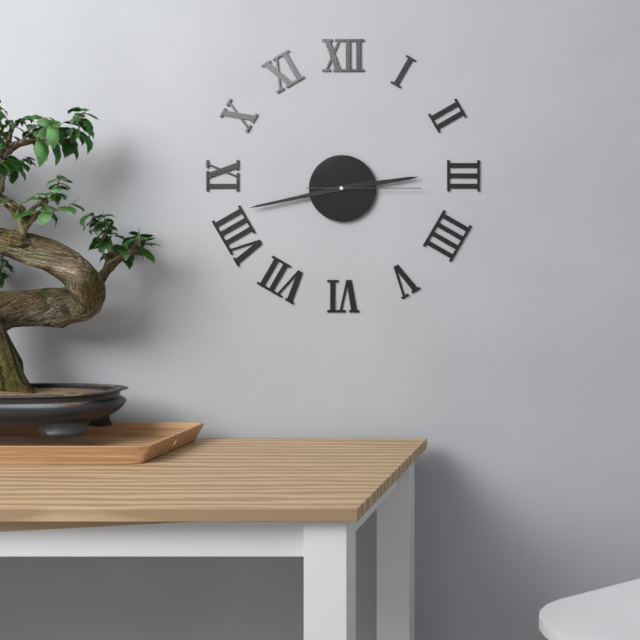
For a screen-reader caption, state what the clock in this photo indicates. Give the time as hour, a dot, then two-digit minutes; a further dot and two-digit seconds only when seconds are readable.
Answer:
2.43.15
